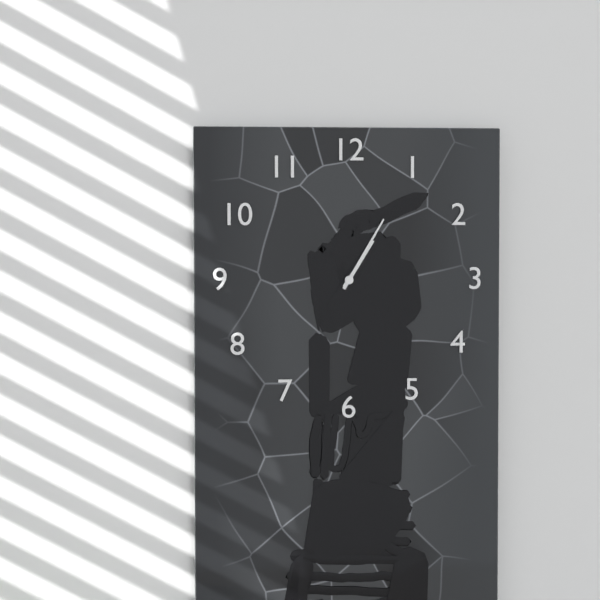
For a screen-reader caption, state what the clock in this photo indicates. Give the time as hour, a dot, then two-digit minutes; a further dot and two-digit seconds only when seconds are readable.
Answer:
1.05
